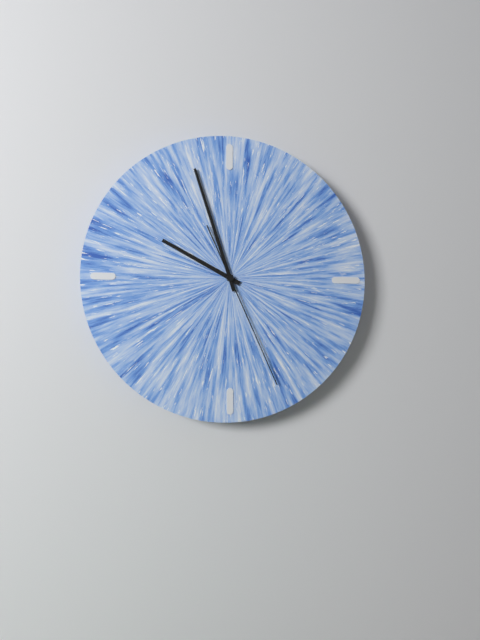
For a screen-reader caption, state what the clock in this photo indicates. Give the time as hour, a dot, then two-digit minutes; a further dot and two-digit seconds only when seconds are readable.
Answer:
9.57.26
